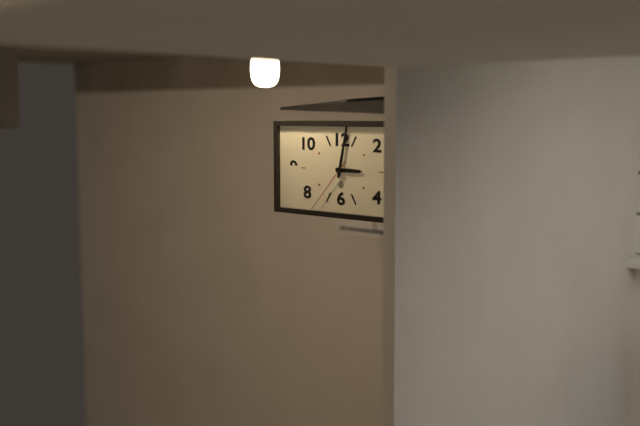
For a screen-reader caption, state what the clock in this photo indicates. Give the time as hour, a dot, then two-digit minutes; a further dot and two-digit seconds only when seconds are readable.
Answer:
3.02.37
